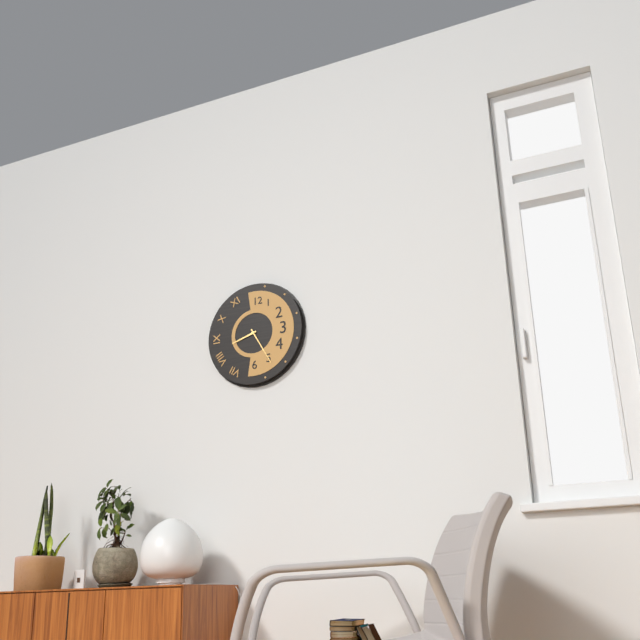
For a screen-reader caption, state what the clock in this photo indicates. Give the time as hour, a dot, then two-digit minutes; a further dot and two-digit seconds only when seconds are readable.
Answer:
8.25
